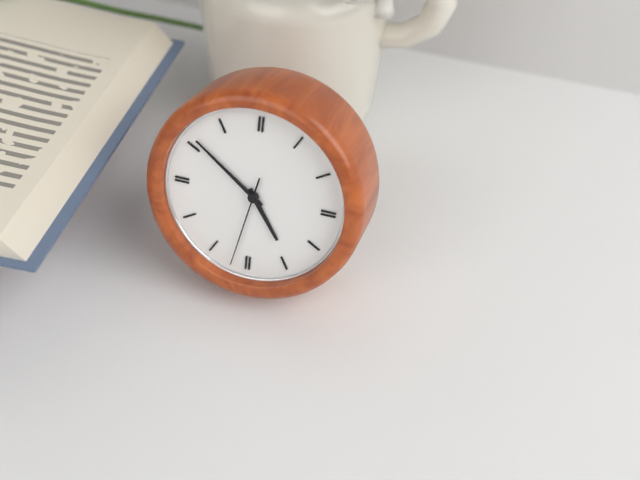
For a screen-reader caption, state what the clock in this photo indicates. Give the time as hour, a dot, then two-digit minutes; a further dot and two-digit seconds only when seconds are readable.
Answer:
4.51.32
